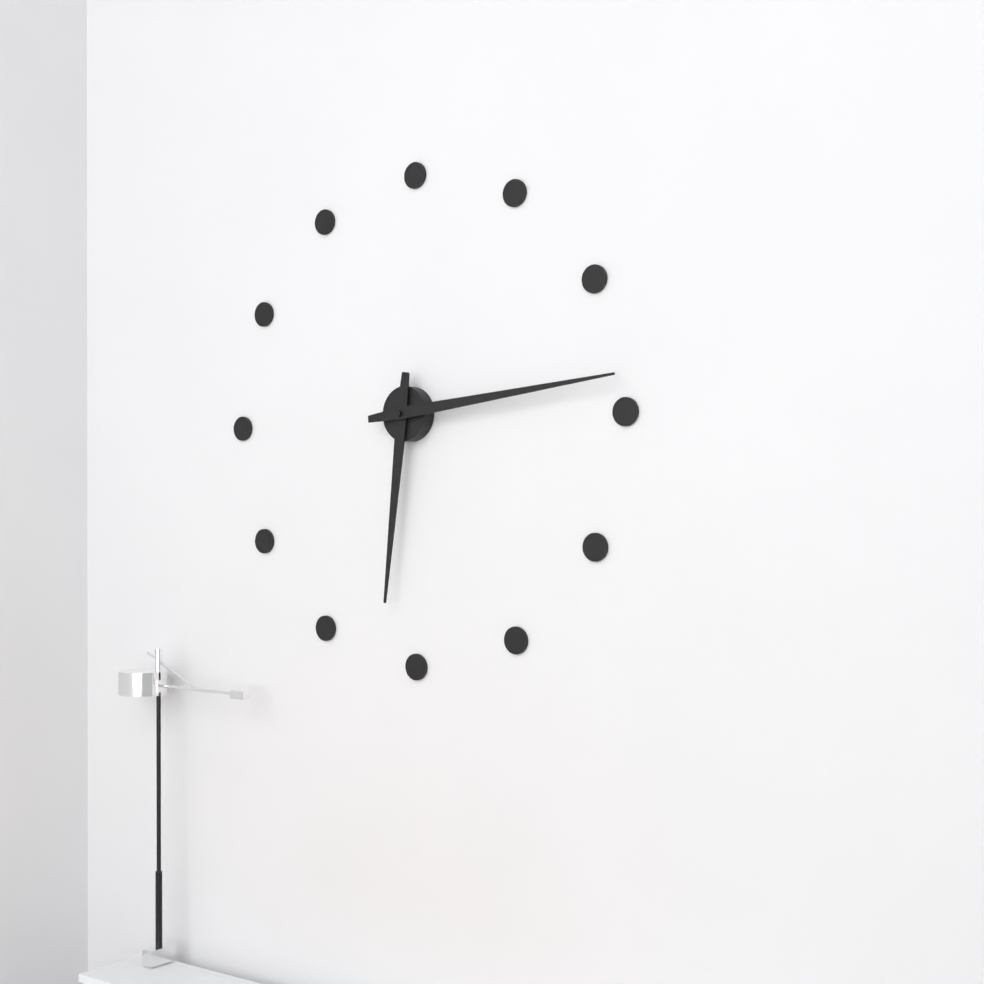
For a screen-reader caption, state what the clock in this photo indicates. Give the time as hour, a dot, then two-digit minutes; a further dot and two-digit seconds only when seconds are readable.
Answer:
6.14
